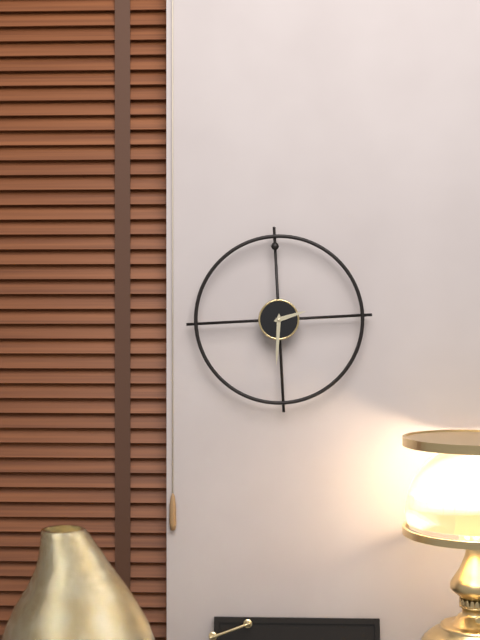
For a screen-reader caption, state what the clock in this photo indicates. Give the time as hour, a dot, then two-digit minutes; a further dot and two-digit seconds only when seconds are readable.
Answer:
2.31
